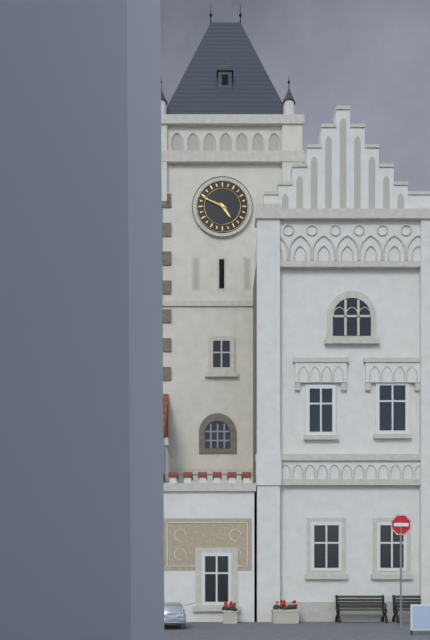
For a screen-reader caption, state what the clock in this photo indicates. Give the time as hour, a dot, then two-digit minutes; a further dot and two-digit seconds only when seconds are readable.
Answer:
4.49
